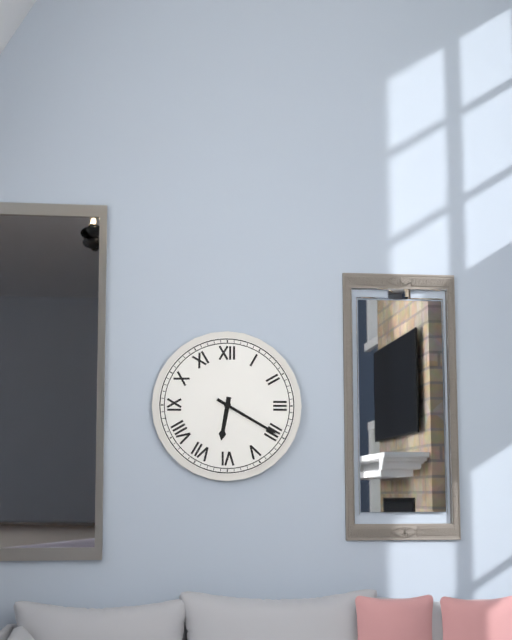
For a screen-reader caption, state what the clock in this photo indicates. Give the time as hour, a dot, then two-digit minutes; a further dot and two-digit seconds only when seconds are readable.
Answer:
6.20
